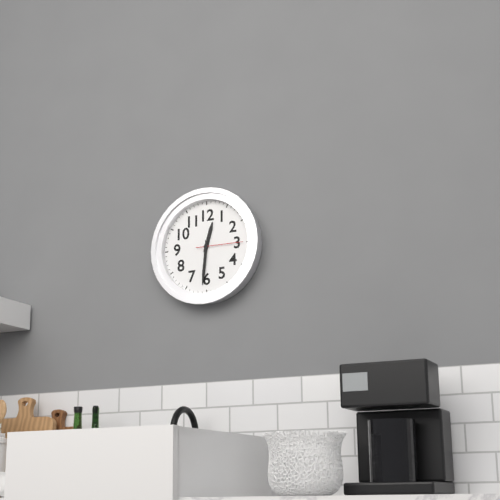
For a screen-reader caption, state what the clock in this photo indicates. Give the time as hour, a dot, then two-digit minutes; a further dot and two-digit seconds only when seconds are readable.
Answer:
12.31
